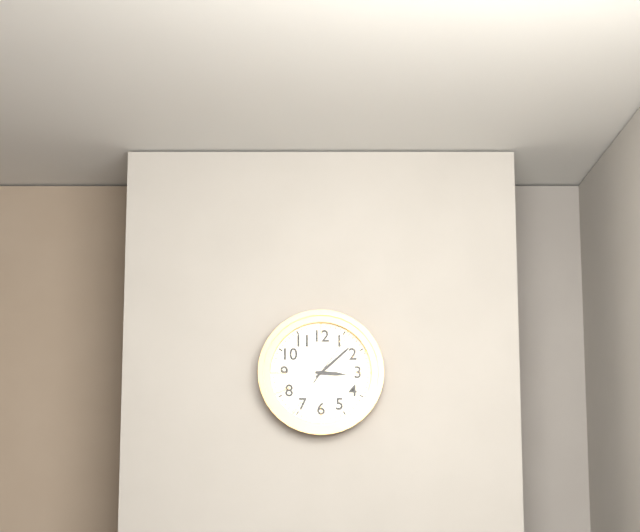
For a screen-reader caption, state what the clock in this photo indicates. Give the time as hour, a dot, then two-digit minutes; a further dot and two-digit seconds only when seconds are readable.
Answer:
3.08.06
